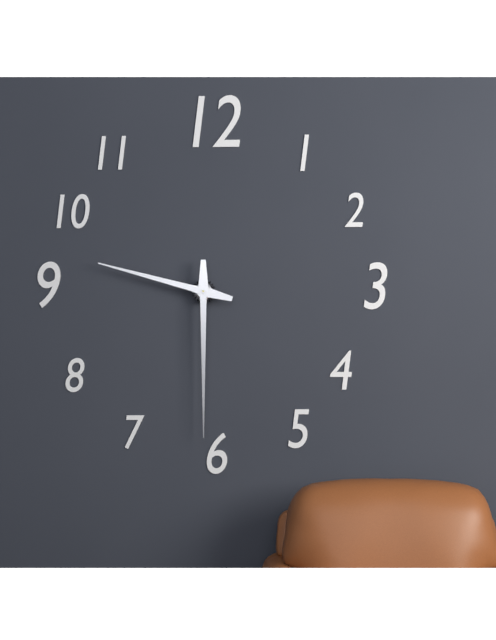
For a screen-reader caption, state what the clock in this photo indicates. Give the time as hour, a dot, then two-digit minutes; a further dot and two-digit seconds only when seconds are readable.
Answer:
9.30
